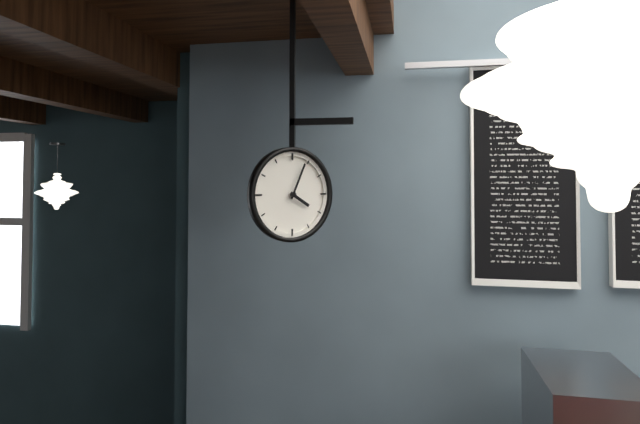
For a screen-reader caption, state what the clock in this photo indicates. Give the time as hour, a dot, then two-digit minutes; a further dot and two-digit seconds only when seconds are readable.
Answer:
4.04
